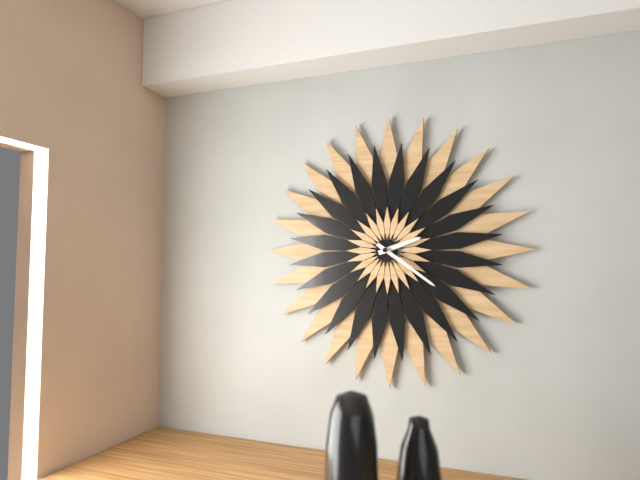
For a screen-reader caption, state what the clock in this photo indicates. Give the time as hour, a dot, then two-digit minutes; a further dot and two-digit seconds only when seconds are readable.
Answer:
2.21
